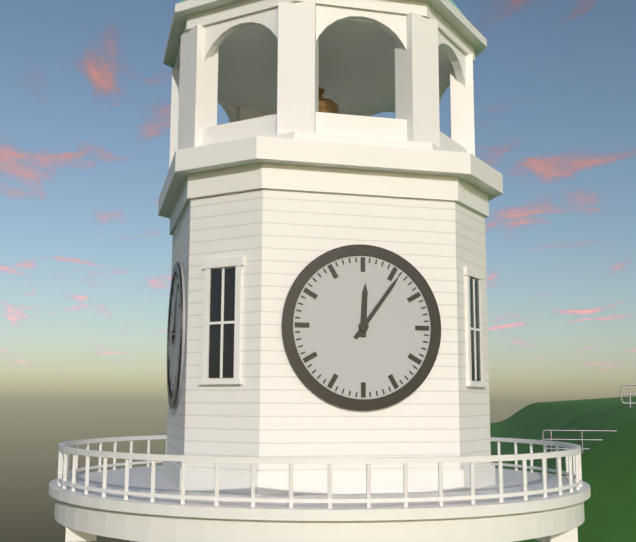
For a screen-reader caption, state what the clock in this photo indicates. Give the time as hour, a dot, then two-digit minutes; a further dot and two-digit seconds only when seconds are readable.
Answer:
12.06
